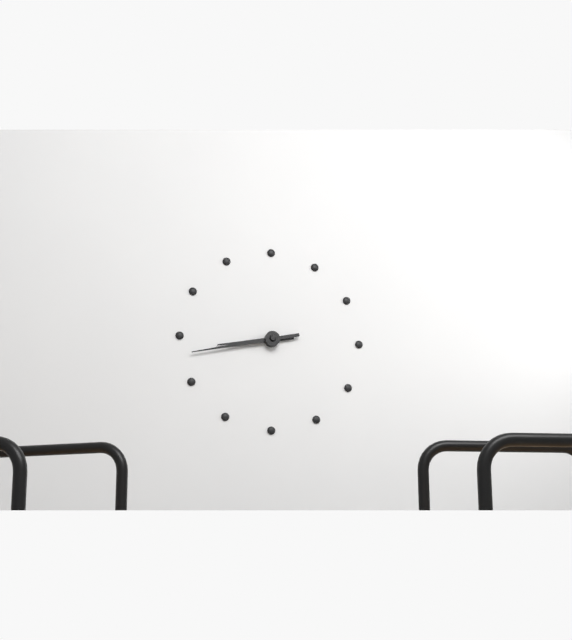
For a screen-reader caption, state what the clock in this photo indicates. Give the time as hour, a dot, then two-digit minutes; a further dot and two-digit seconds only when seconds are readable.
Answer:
8.43
